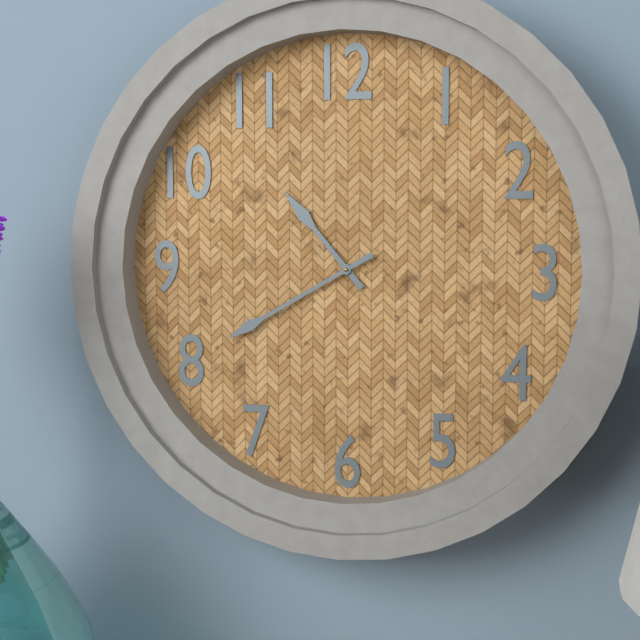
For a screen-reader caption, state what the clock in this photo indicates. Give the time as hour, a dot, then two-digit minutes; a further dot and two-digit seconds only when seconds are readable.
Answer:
10.40
